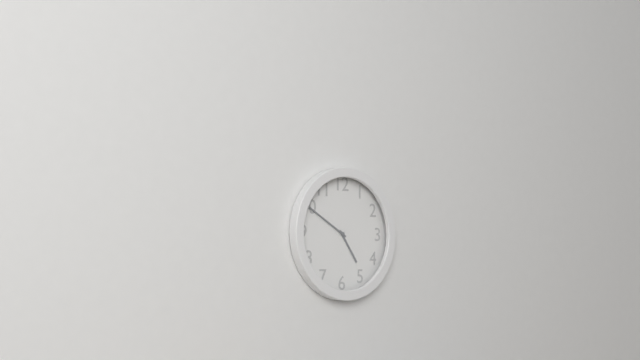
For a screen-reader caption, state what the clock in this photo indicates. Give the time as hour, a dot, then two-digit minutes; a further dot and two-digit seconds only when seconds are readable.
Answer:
4.50
